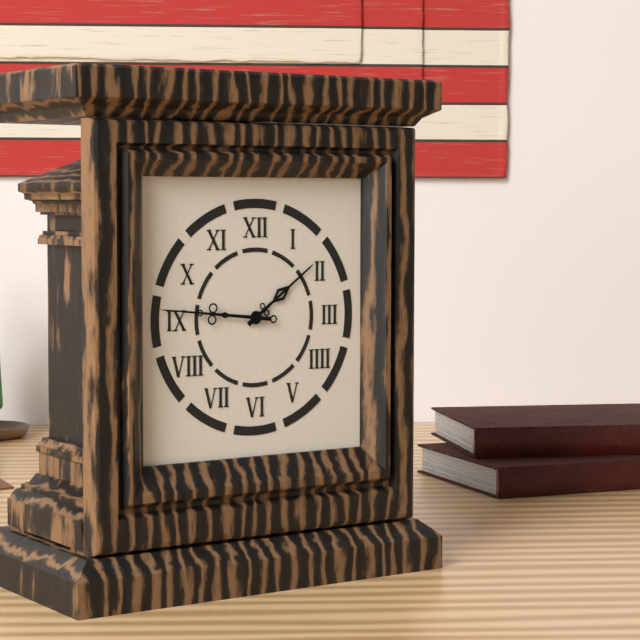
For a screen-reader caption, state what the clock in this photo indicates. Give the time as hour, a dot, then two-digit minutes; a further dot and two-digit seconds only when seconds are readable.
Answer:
1.46
